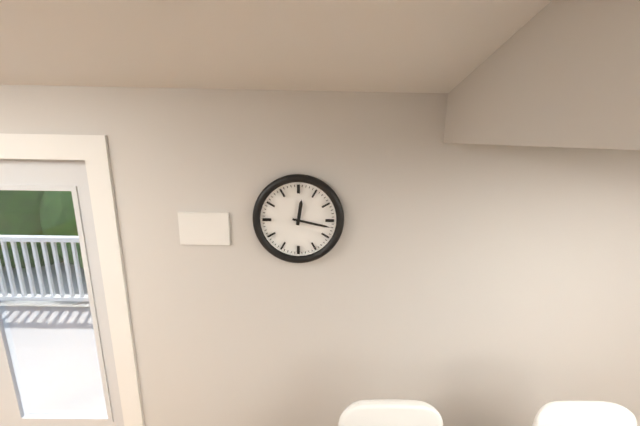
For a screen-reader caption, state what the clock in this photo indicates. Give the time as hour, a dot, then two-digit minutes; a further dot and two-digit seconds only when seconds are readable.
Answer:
12.17
